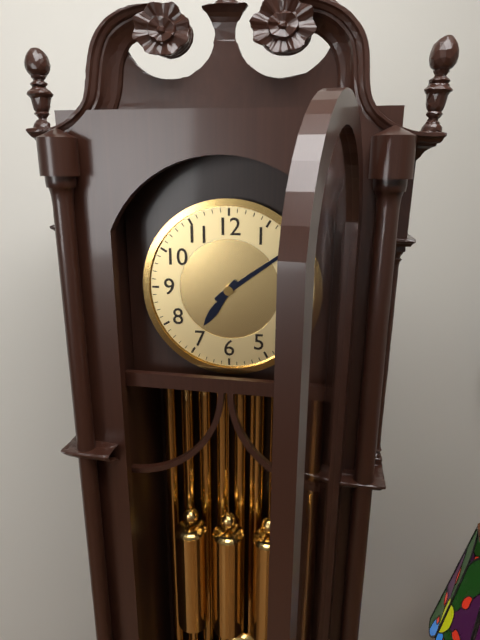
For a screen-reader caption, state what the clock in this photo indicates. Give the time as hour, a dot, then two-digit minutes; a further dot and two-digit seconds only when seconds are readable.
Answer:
7.09
